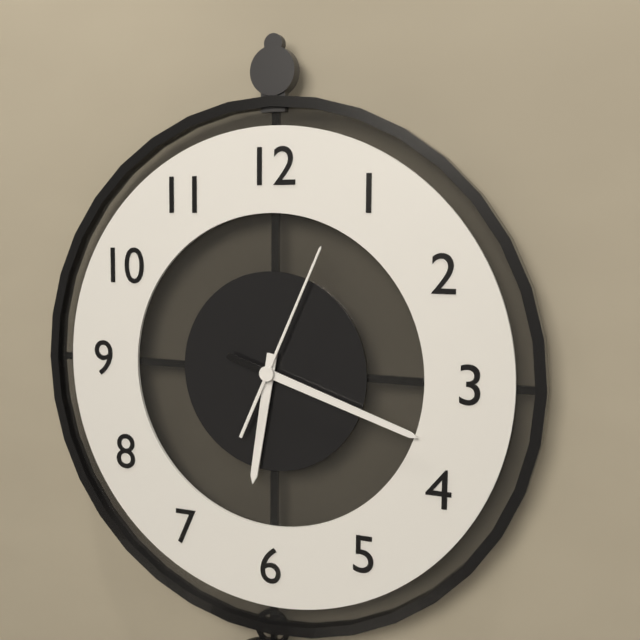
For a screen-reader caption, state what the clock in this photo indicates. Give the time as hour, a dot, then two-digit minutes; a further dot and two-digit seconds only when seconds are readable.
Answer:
6.18.04
